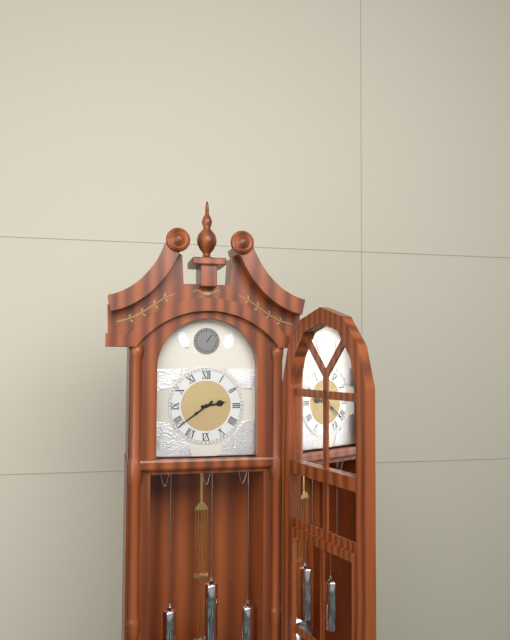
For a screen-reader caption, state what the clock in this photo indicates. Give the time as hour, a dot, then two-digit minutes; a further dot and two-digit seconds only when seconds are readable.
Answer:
2.39
